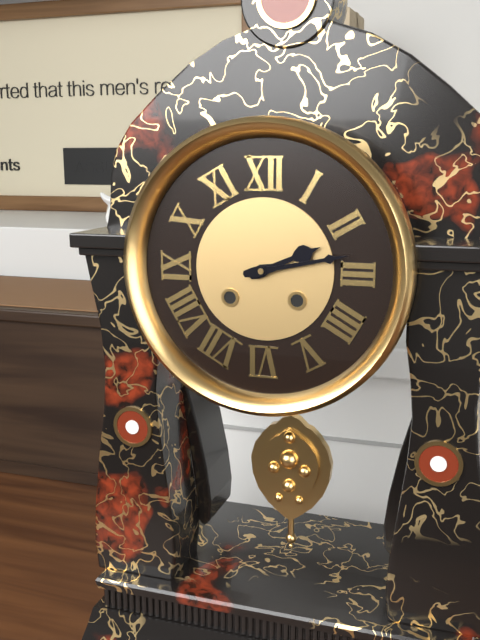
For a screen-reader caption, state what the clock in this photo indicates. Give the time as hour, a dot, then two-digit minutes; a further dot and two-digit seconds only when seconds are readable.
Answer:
2.13
